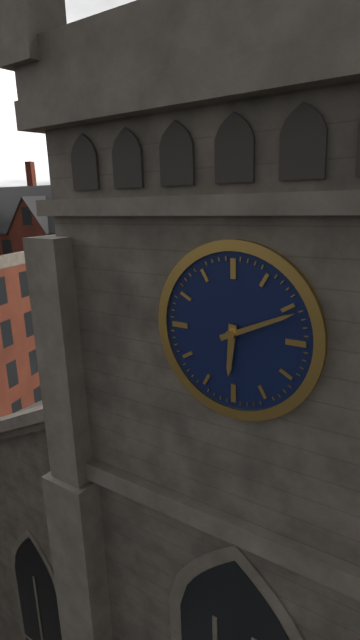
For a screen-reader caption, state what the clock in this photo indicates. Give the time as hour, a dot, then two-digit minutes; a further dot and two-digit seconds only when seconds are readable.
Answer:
6.11
